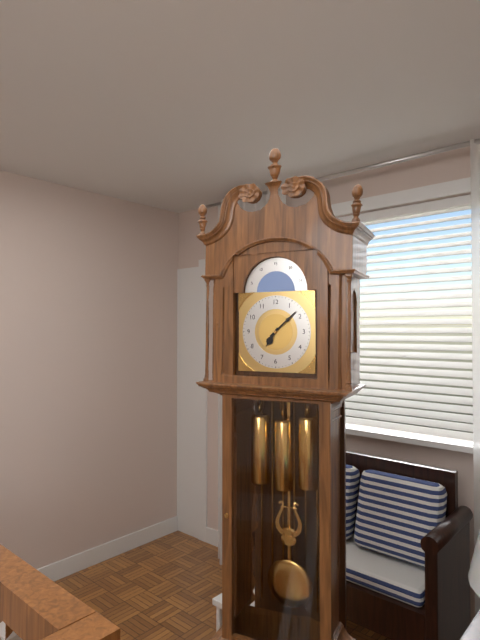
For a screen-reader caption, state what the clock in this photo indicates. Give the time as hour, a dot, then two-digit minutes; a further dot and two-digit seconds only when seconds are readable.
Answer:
7.08
